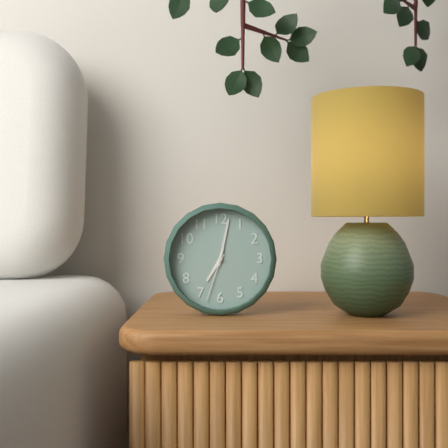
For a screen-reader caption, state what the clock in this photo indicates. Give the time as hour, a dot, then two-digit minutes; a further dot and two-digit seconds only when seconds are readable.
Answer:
7.02.33
